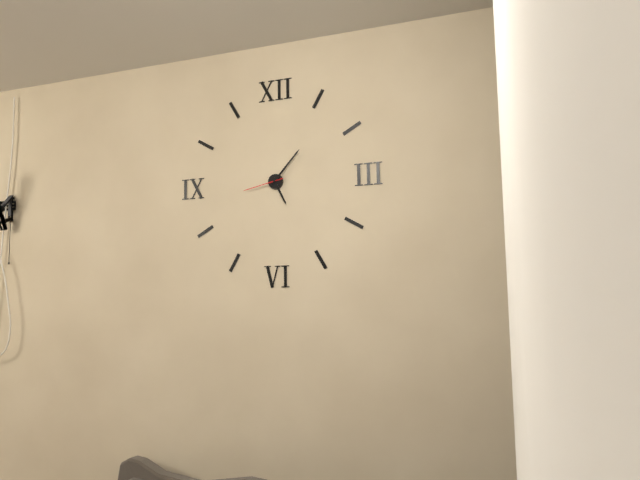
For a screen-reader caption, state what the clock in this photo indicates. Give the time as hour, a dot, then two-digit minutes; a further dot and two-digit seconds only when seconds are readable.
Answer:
5.07
